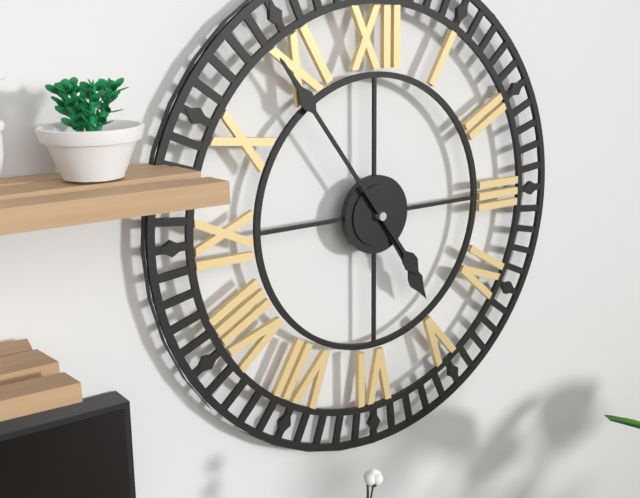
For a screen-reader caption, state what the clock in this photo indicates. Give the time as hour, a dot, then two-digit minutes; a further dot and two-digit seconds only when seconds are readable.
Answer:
4.54
